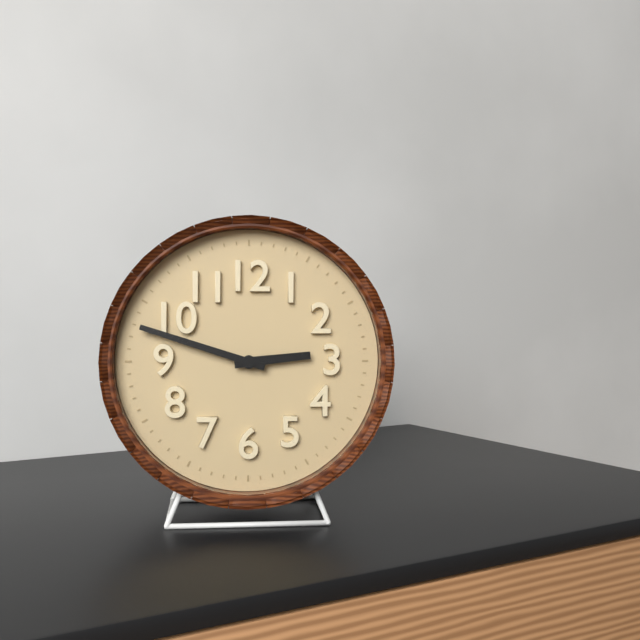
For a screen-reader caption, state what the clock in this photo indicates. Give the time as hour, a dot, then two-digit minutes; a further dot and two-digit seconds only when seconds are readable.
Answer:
2.48
